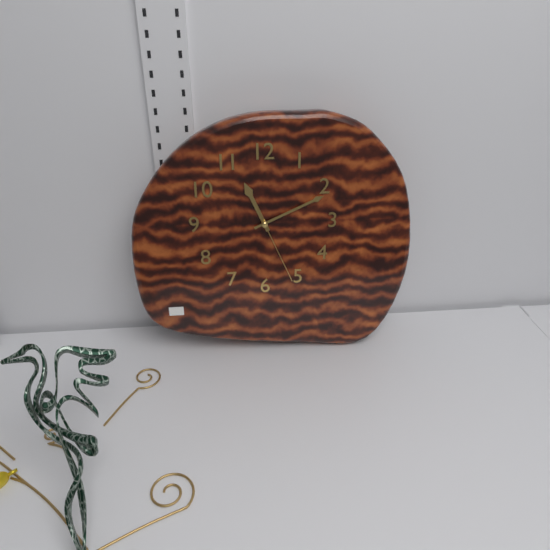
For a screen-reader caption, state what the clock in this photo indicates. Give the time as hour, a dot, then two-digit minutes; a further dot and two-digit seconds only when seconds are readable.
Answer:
11.11.26
